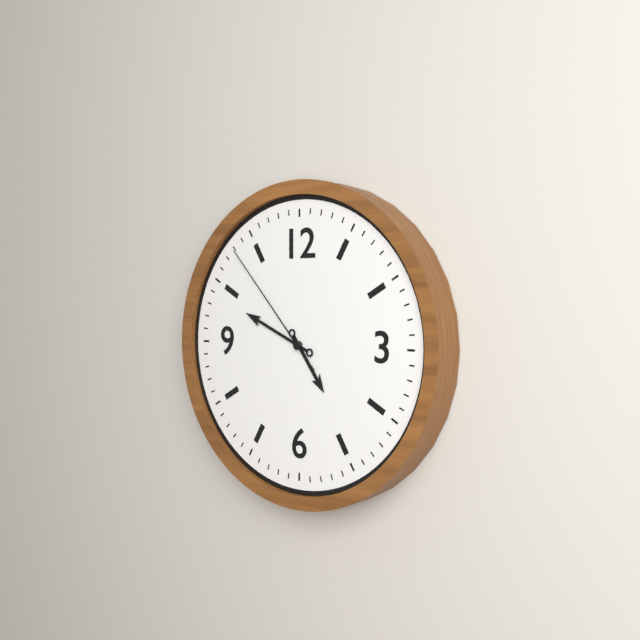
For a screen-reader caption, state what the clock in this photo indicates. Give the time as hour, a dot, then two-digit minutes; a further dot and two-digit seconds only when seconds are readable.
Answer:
4.49.53
